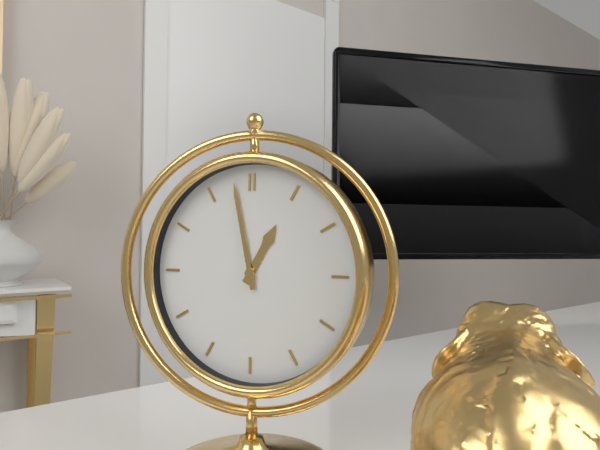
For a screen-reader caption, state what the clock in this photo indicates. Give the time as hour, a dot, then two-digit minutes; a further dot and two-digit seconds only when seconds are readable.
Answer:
12.58
